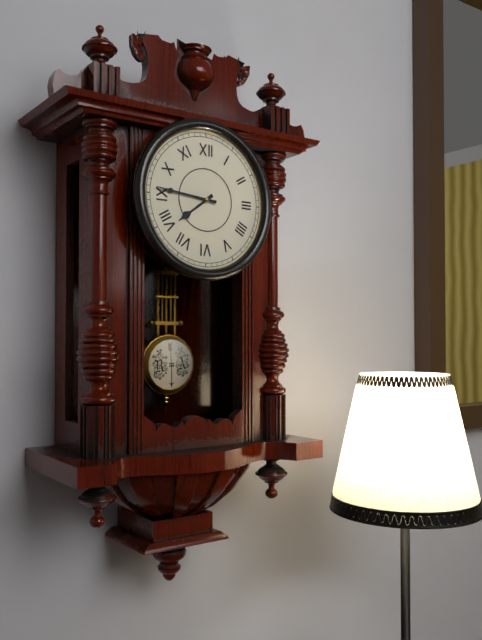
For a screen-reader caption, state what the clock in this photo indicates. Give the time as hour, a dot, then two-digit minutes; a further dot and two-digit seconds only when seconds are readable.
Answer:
7.46
